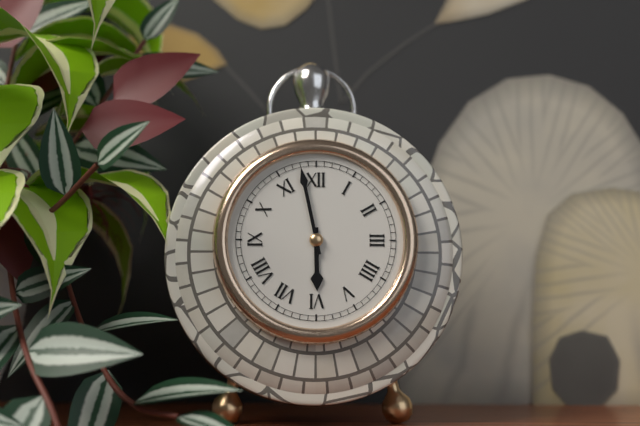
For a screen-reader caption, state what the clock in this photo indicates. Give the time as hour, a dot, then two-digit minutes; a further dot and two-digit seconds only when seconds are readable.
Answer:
5.58
